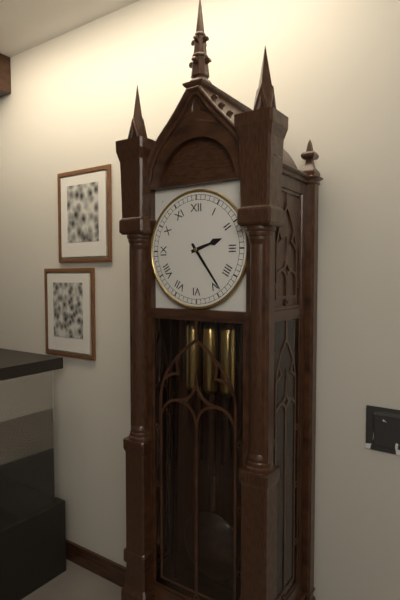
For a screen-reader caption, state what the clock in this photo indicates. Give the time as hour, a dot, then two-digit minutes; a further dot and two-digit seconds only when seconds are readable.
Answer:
2.24
